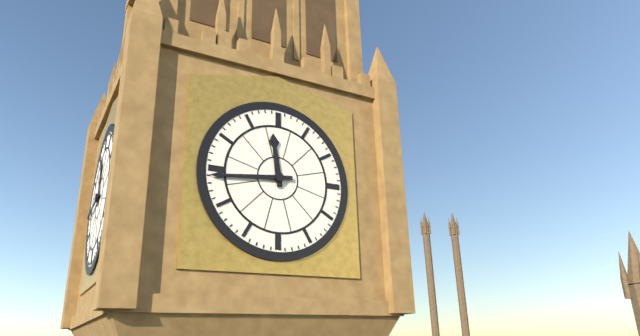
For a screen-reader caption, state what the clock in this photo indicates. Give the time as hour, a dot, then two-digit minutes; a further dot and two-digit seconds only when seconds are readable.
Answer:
11.44
